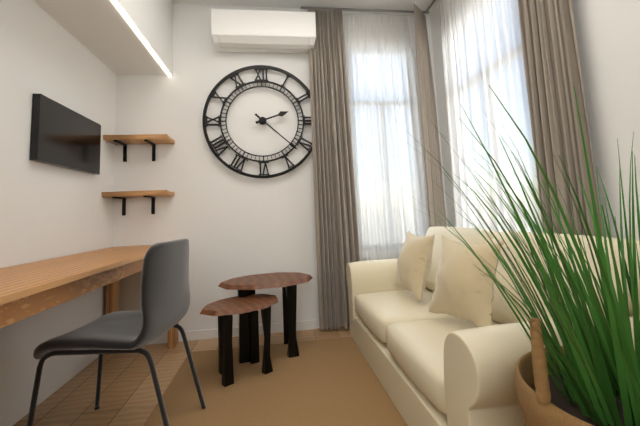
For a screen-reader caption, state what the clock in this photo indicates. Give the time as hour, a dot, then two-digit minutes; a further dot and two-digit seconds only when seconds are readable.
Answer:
2.22
